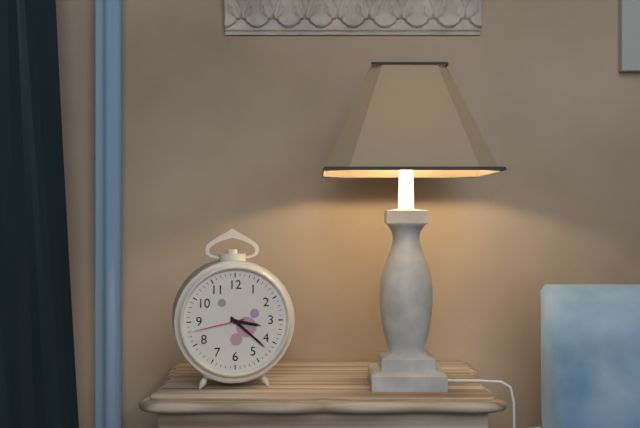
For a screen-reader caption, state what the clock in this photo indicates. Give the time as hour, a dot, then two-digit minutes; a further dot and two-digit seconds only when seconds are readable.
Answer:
3.22.43
